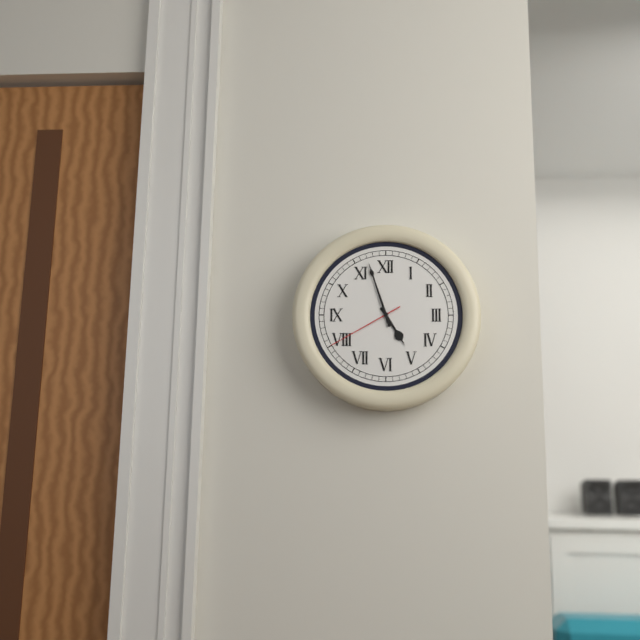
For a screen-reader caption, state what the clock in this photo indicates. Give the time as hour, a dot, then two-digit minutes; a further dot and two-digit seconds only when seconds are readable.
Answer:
4.57.40
